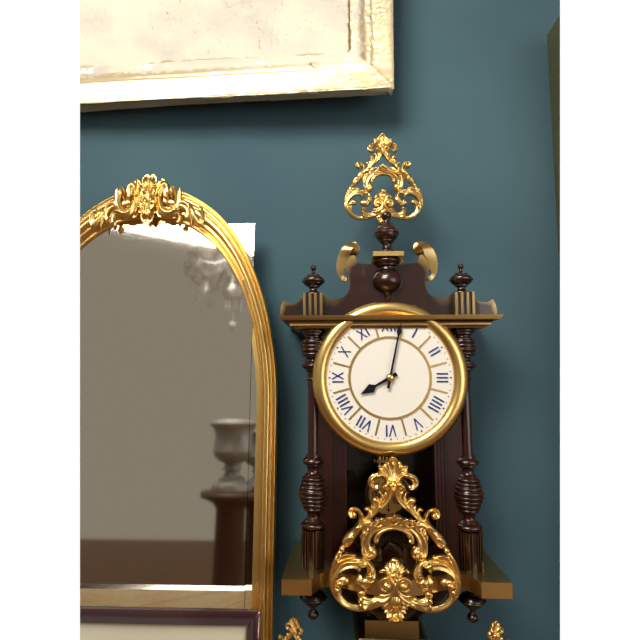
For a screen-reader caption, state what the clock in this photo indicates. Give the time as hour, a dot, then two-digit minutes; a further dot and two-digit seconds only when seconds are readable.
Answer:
8.02
